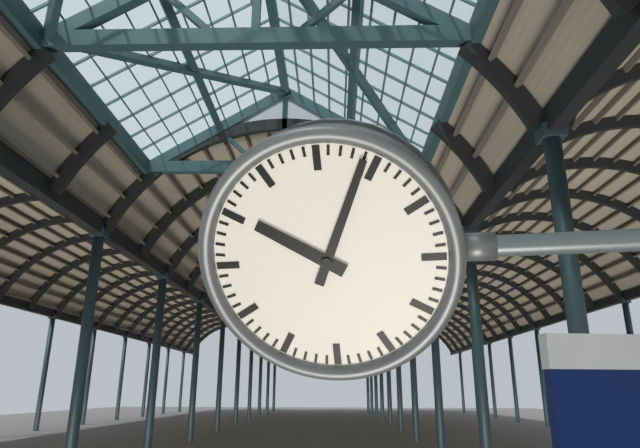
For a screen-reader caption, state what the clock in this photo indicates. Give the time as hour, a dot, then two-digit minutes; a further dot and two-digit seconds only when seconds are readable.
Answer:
10.04
